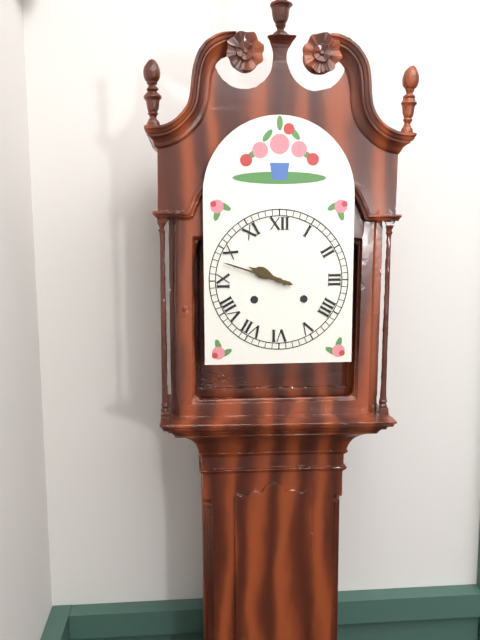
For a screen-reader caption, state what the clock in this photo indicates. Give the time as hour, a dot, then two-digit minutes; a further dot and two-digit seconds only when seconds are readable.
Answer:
9.48
